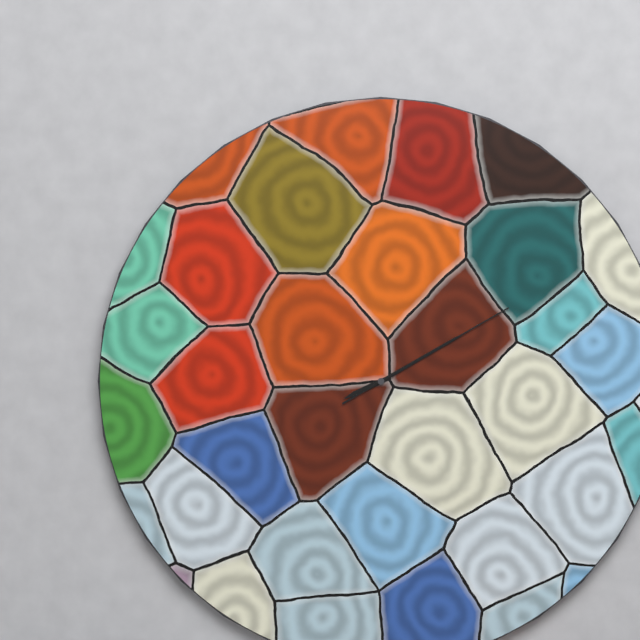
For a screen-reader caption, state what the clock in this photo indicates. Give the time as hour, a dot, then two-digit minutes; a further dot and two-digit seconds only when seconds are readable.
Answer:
8.10.10
